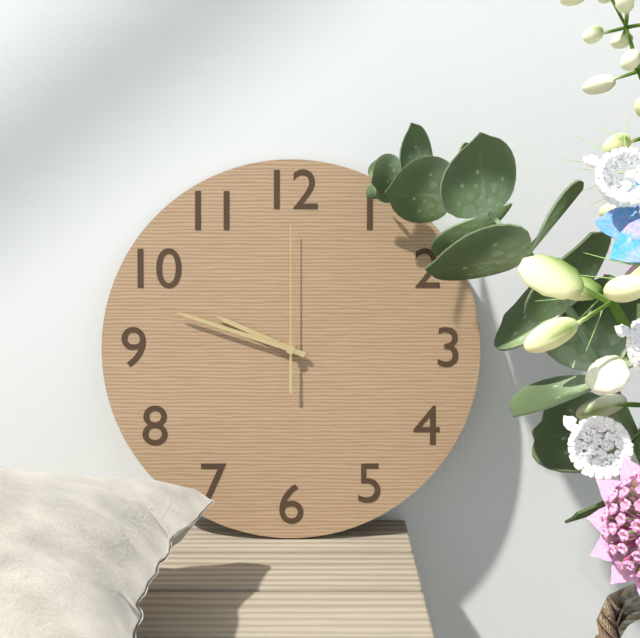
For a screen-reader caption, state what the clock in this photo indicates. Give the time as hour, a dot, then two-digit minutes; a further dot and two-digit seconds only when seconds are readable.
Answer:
9.48.00
